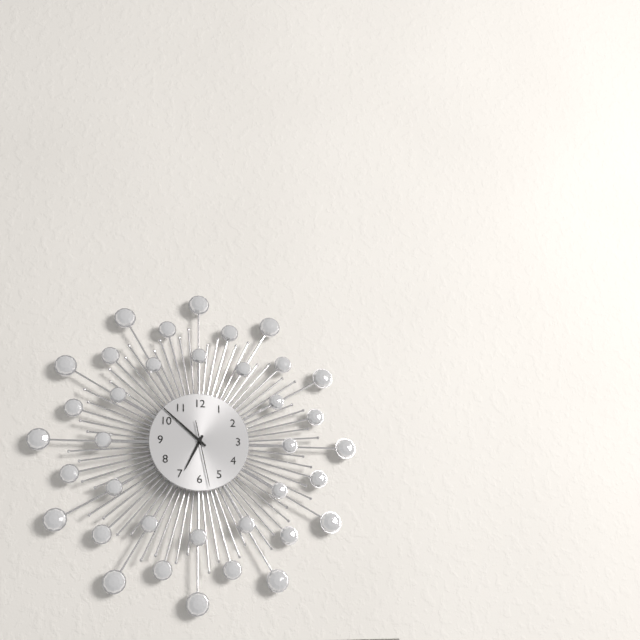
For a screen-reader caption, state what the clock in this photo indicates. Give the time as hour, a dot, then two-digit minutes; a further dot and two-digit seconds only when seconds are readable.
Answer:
6.52.28
